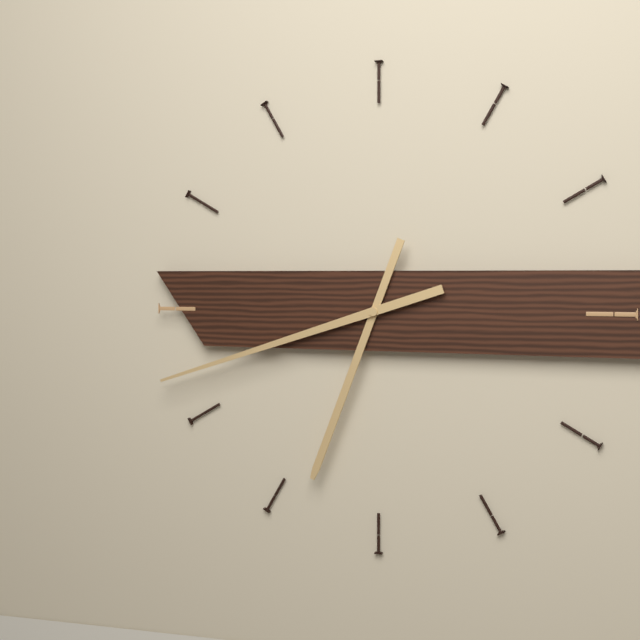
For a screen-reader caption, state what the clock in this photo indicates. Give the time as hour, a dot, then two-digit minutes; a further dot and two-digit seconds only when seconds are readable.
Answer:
6.42
